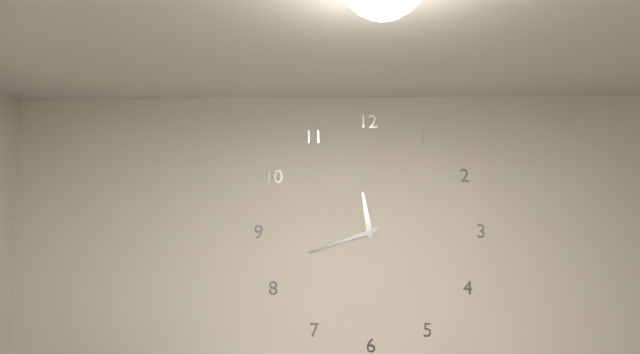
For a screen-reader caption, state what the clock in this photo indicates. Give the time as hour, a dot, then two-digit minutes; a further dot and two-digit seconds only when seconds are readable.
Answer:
11.42
